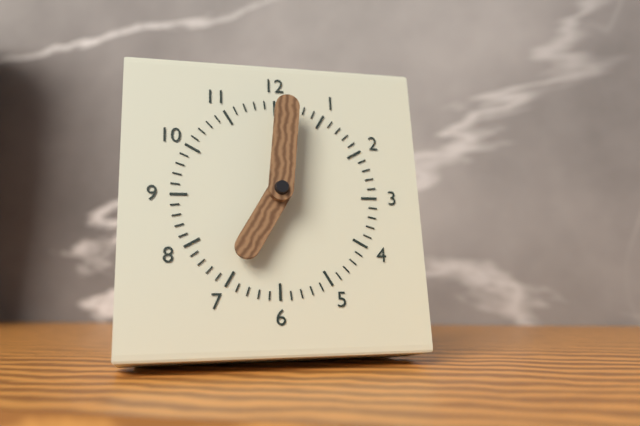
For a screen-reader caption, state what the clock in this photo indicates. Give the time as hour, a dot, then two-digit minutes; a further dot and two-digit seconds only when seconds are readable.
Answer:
7.01
